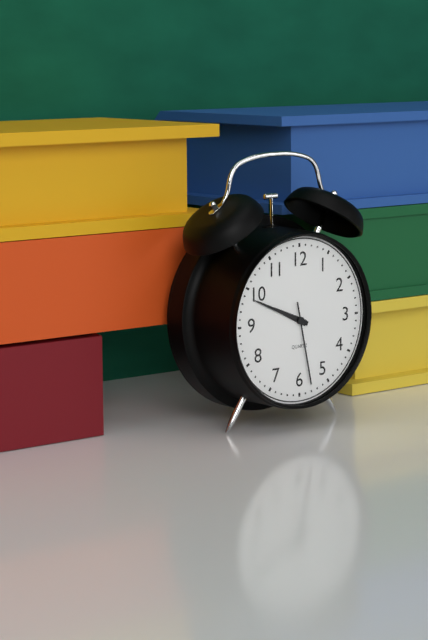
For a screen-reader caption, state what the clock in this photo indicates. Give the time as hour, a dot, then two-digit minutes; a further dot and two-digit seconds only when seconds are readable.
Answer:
9.49.28
